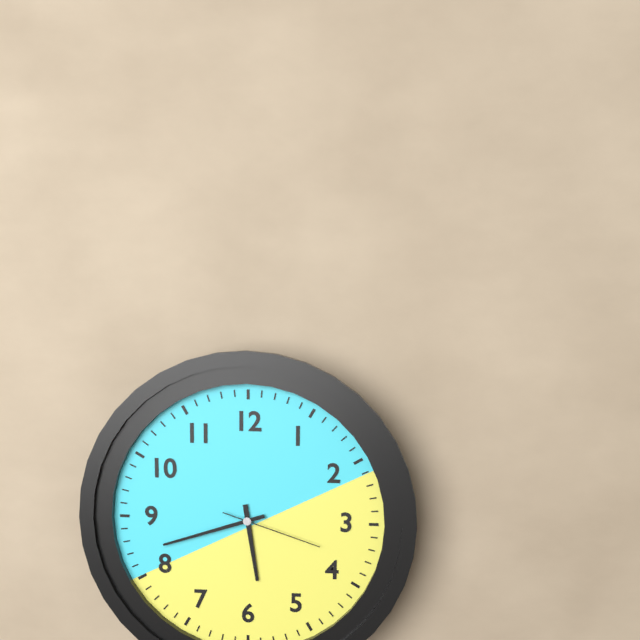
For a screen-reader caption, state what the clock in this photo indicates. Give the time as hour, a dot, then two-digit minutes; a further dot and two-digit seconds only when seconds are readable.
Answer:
5.42.18
